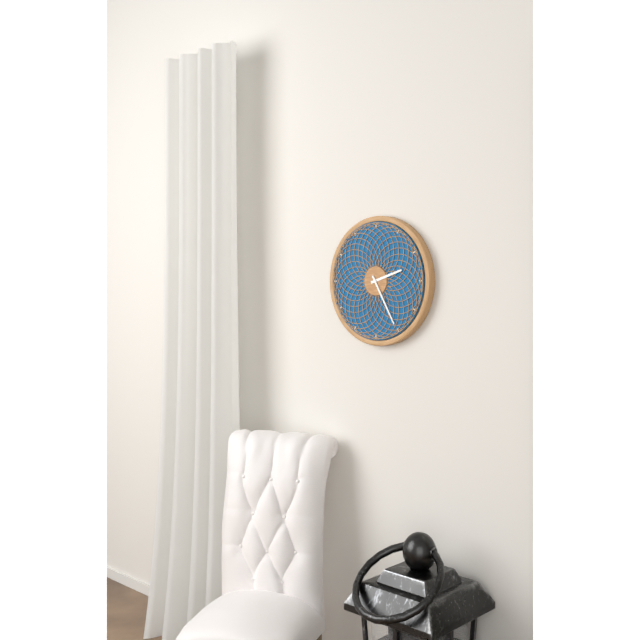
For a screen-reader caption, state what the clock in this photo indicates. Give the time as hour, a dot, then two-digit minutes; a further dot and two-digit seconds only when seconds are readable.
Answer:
2.25
